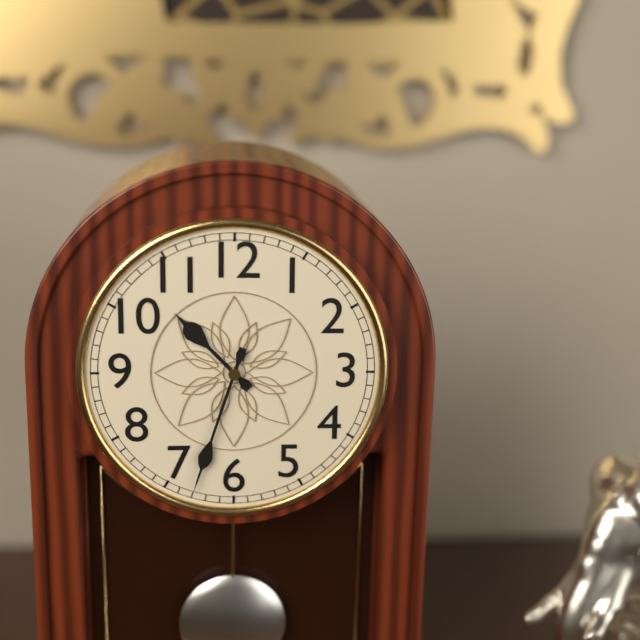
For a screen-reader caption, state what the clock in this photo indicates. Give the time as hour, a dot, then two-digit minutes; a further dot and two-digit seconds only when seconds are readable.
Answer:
10.33
